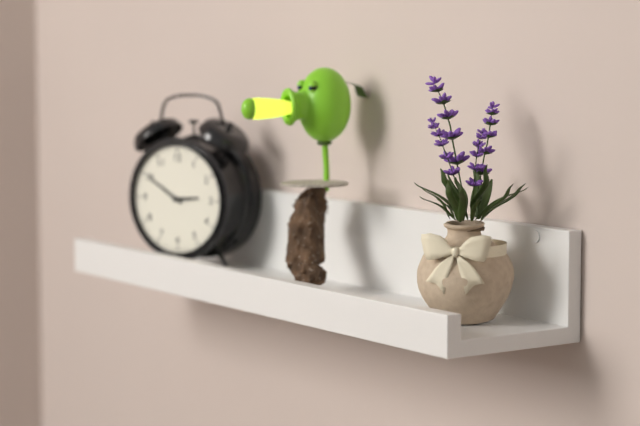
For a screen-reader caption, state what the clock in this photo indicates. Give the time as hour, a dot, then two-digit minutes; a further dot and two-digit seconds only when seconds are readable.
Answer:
2.50
